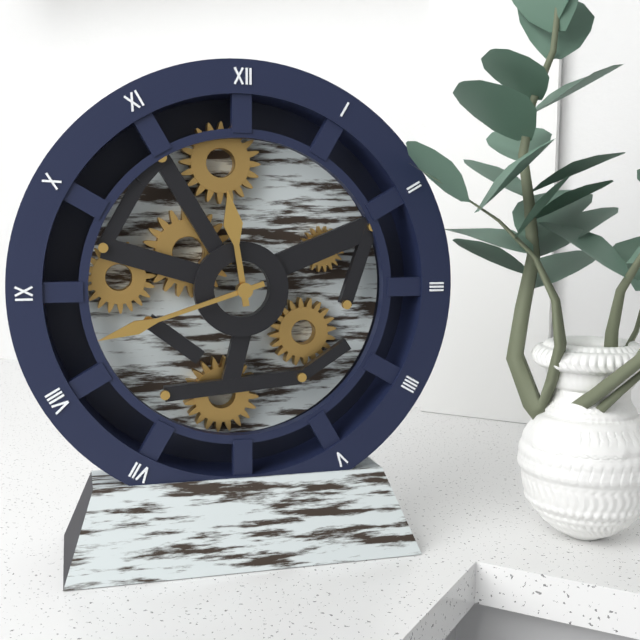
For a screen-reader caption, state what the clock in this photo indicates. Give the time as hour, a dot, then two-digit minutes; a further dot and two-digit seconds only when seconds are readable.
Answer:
11.42
